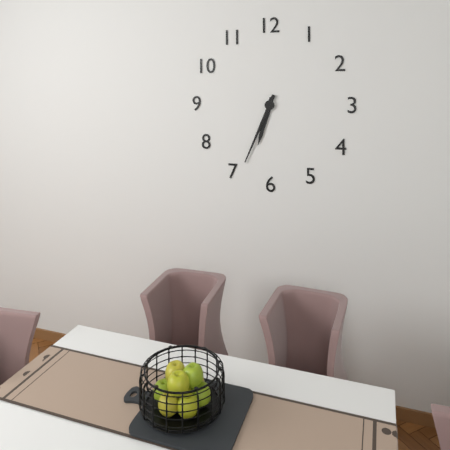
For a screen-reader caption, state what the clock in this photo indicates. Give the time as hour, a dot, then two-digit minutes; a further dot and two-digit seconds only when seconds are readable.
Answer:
6.34
